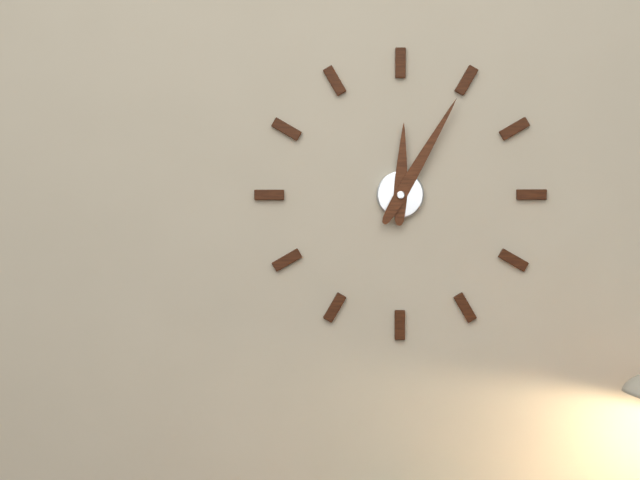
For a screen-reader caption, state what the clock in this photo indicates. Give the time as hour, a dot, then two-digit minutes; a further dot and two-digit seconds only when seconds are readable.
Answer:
12.05
